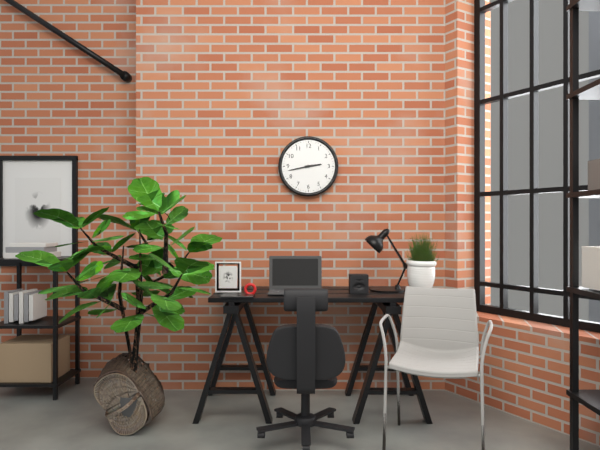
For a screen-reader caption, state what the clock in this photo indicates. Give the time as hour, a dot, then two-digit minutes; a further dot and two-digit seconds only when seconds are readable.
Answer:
2.43
